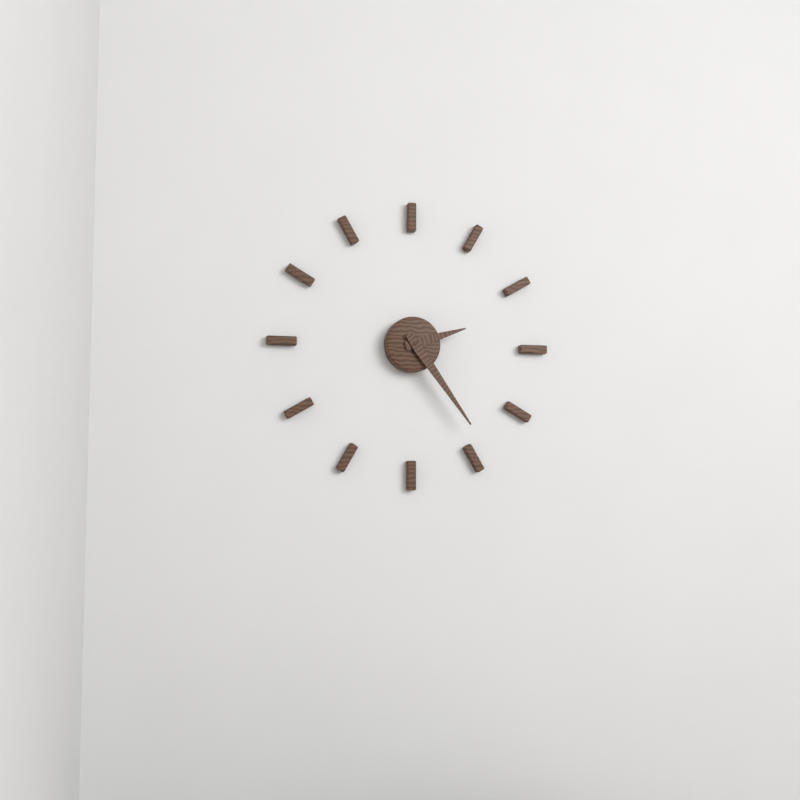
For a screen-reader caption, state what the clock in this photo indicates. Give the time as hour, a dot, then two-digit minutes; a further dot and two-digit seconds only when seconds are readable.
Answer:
2.24
